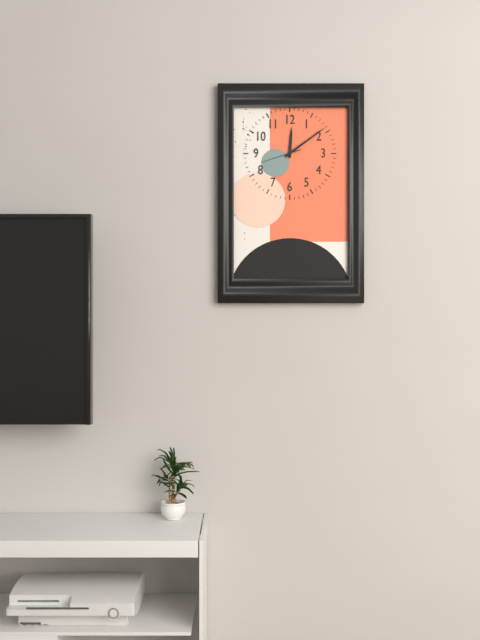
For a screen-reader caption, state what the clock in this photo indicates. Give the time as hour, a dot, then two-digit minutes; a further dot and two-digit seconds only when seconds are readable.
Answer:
12.09
